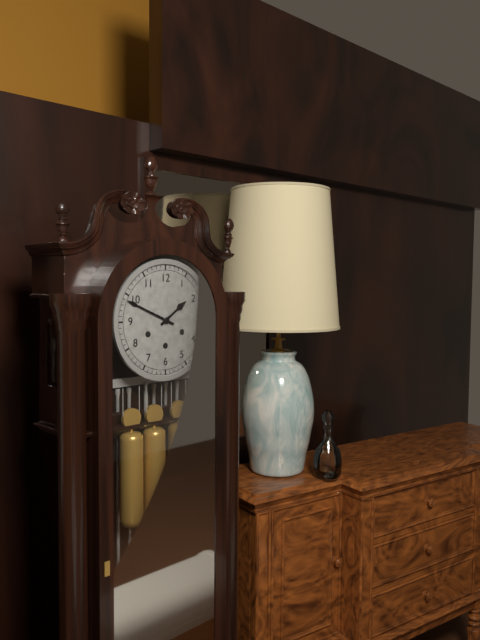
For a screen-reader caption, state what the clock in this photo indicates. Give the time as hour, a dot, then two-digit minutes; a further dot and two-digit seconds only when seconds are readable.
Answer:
1.49
